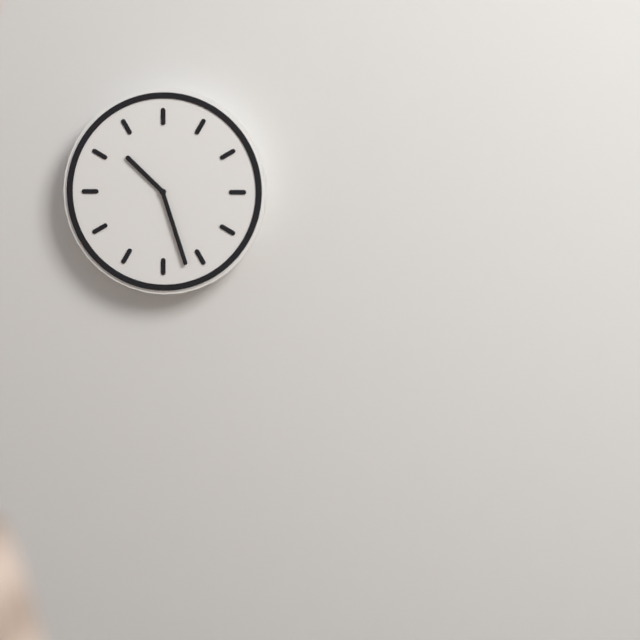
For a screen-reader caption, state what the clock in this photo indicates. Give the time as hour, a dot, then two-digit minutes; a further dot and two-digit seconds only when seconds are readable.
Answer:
10.27
